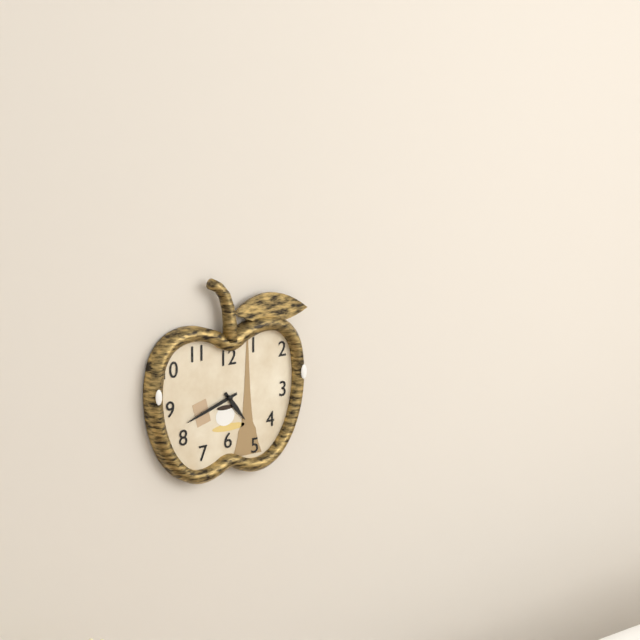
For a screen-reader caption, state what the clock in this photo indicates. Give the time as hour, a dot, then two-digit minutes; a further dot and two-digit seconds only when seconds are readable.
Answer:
4.42
